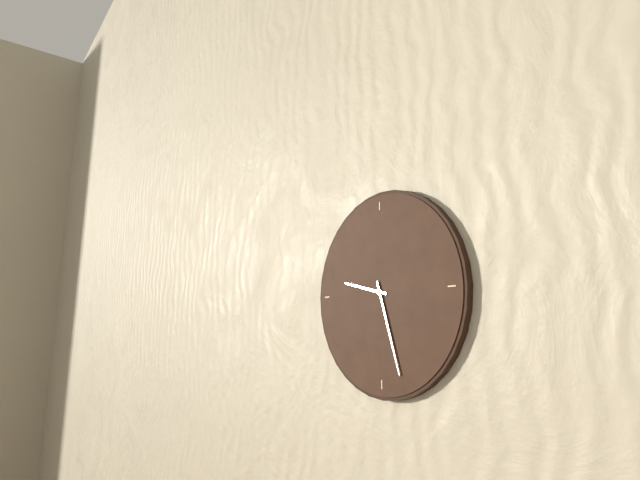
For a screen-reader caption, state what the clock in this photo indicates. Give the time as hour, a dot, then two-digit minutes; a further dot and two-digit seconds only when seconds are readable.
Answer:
9.27
